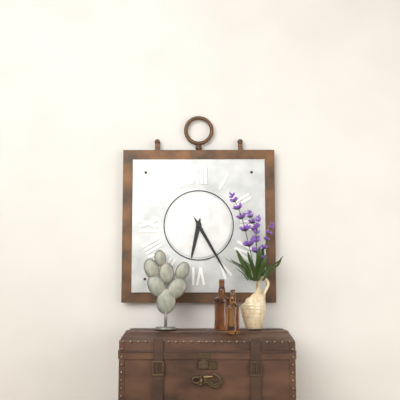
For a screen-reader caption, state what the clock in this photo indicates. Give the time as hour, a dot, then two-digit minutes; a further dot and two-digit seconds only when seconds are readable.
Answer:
6.25
